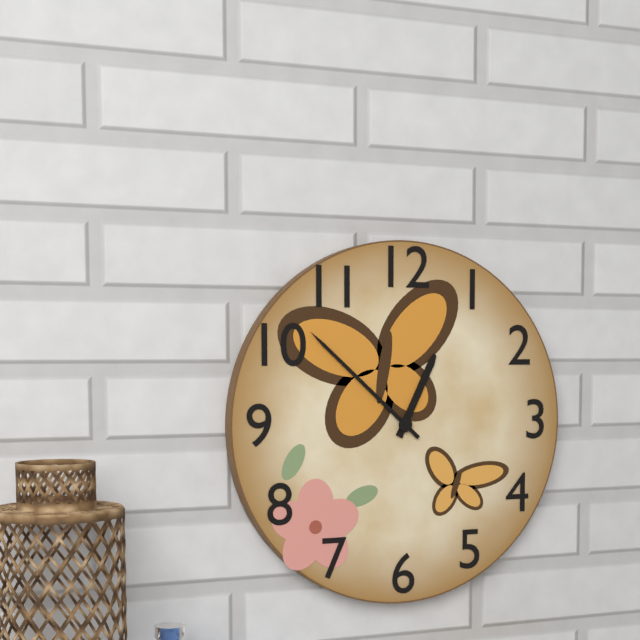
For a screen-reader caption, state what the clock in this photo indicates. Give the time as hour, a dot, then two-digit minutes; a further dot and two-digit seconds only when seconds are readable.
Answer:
12.52
